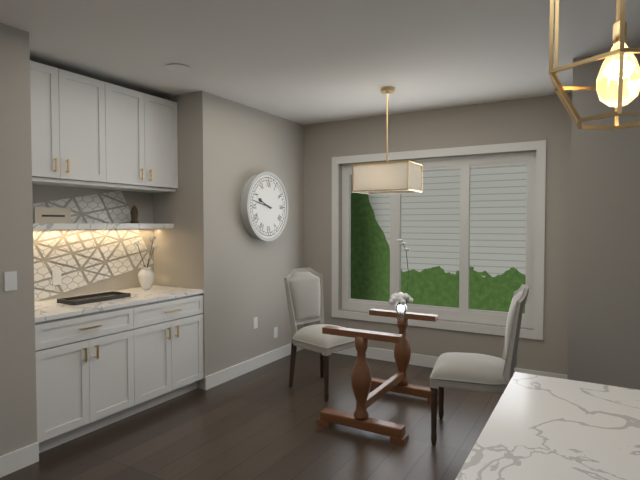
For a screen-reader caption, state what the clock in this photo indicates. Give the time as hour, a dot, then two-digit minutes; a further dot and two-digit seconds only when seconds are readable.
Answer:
9.47
